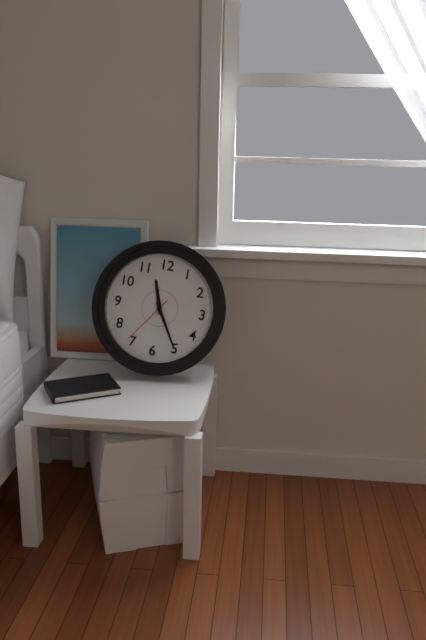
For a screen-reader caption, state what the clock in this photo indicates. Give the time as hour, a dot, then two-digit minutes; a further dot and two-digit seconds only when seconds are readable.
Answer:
11.25.36
